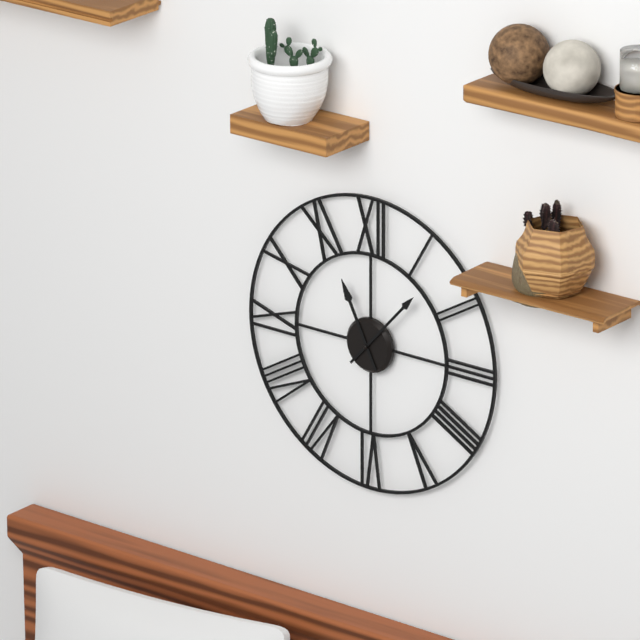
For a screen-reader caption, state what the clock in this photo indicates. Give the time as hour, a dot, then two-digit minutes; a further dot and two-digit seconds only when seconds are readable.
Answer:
11.07
